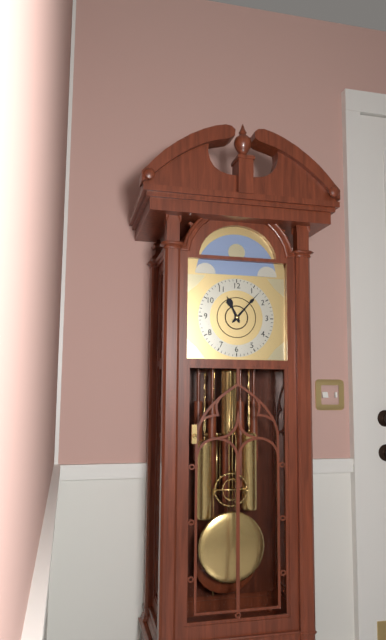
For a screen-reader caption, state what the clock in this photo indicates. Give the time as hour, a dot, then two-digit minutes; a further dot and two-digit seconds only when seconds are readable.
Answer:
11.07
